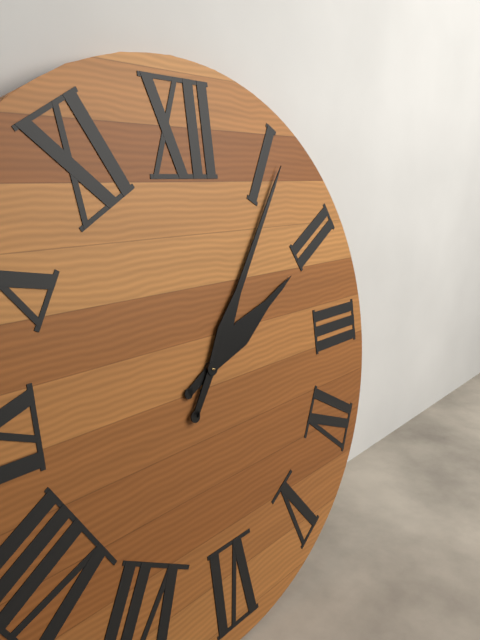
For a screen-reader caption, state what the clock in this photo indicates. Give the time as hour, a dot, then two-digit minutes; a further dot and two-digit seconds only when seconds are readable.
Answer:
2.06
